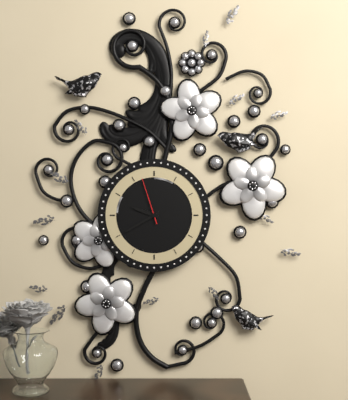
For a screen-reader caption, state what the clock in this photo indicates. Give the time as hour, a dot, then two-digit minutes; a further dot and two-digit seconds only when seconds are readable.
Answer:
9.40
